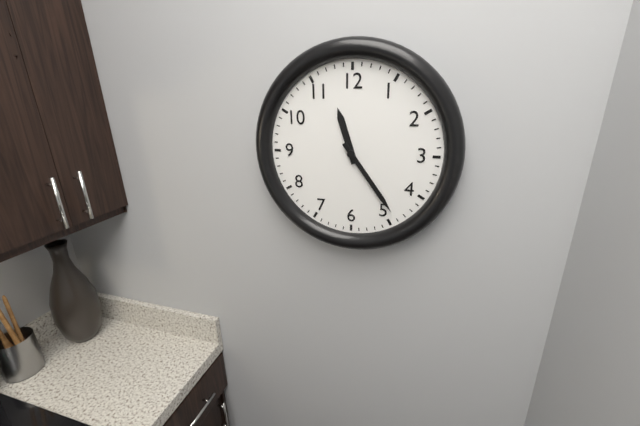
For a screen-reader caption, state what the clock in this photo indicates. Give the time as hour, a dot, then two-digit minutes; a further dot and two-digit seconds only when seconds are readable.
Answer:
11.24
